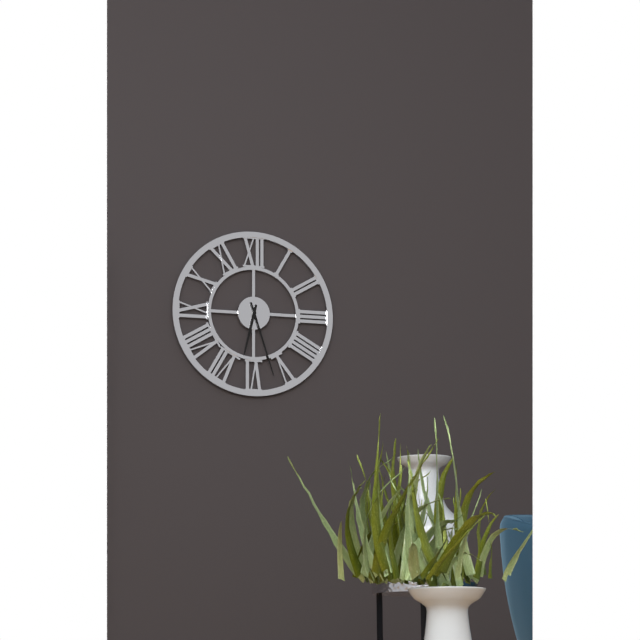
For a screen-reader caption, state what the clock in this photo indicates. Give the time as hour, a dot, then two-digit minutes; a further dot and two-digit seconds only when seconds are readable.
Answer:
6.27
